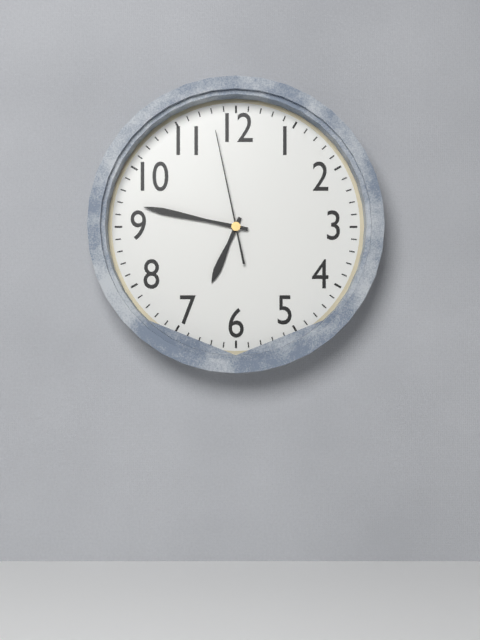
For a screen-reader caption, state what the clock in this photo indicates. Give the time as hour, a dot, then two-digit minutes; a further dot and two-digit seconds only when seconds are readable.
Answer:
6.47.58
